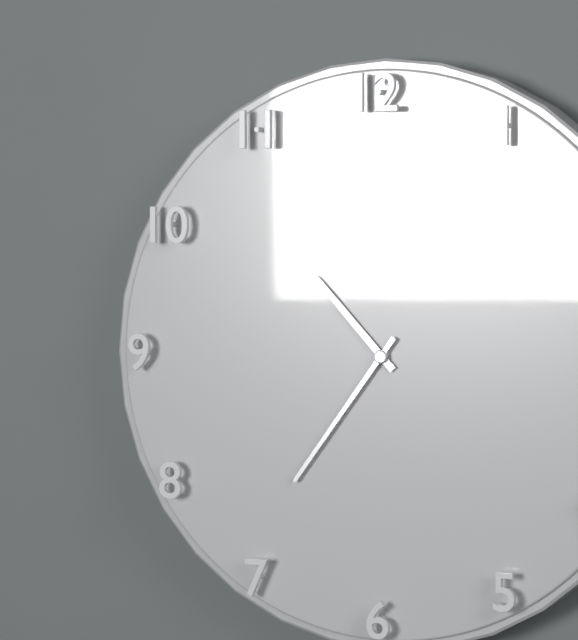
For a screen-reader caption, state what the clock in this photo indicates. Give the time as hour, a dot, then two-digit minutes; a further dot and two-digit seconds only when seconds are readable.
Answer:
10.36
